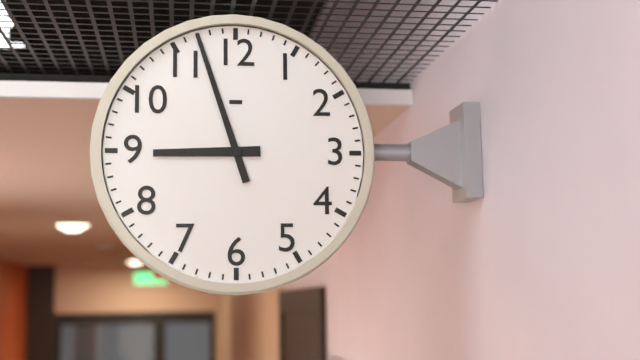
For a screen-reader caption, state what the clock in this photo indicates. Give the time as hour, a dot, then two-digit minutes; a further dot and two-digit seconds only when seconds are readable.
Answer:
8.57
